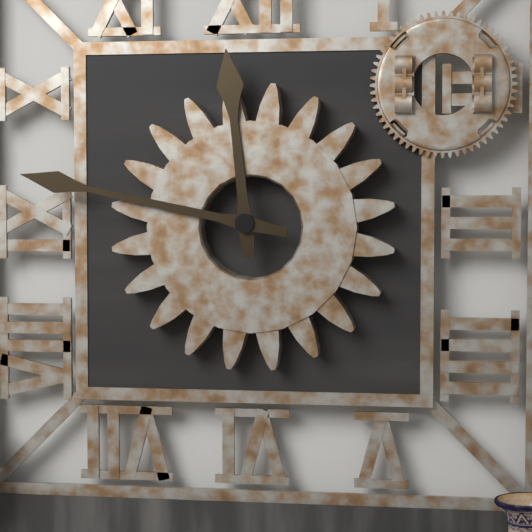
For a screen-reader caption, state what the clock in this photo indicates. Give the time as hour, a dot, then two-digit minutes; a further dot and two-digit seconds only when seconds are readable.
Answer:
11.47
